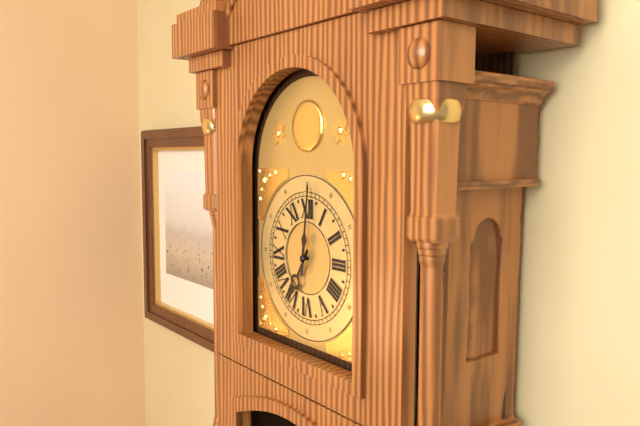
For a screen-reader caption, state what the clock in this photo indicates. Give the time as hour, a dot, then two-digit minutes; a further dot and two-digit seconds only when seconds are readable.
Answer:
7.01
